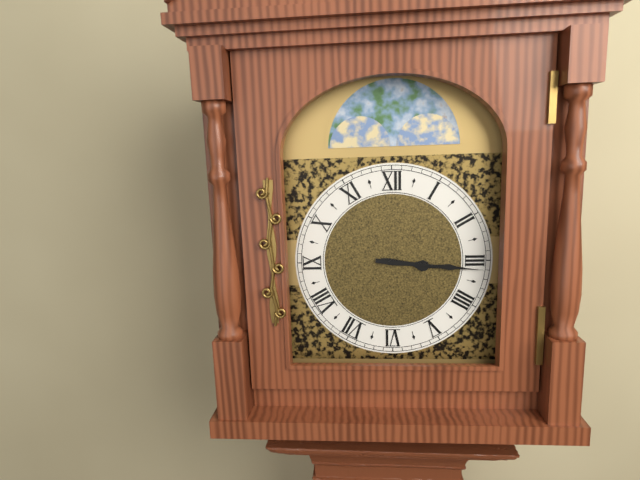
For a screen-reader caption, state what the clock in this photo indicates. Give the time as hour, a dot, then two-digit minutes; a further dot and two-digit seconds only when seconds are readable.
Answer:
3.16
